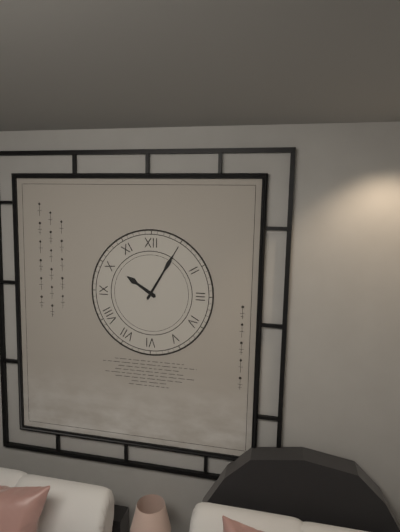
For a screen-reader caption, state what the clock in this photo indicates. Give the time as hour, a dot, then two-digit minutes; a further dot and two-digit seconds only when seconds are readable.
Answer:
10.05
